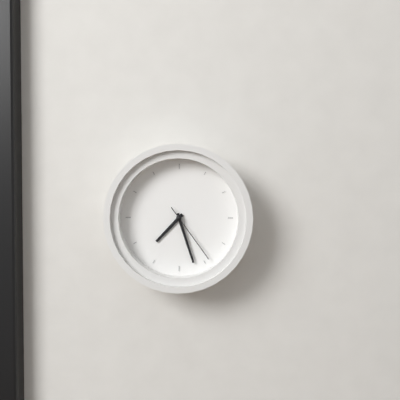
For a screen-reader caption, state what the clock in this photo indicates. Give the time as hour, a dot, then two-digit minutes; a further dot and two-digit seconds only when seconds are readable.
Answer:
7.27.24
